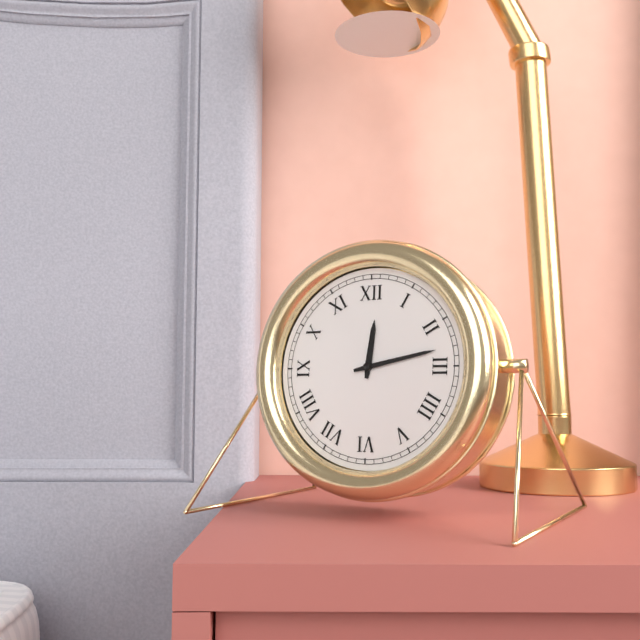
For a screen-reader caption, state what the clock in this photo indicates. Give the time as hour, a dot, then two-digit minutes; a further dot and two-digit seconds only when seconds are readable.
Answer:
12.13
